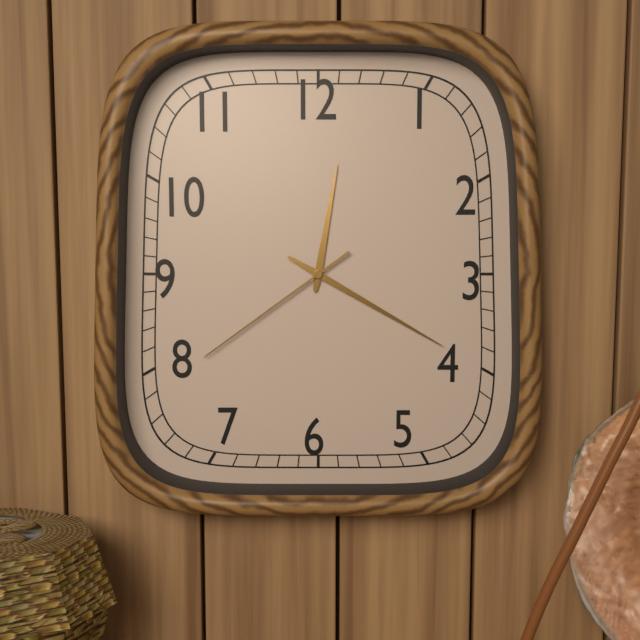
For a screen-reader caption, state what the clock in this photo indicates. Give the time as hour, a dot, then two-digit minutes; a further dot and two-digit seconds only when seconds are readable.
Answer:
12.20.39
